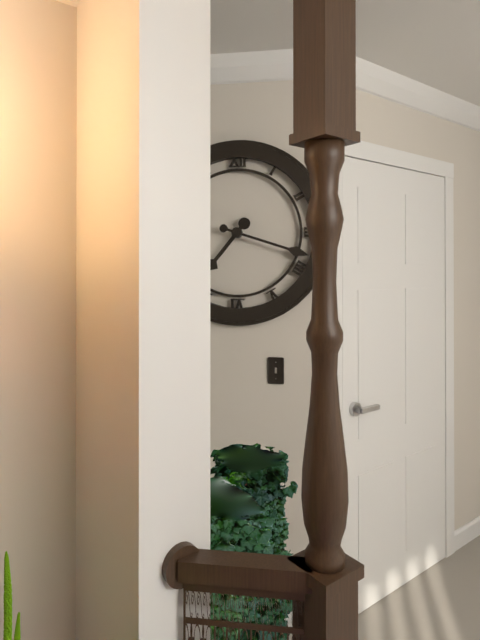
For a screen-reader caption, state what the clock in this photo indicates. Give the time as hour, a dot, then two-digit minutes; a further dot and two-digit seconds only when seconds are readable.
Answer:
7.18
